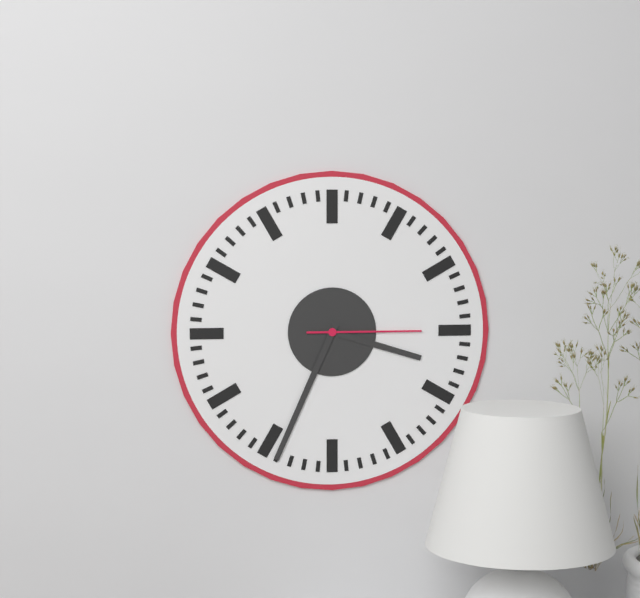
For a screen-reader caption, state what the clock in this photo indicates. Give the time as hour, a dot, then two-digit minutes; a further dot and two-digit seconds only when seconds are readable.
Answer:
3.34.15
